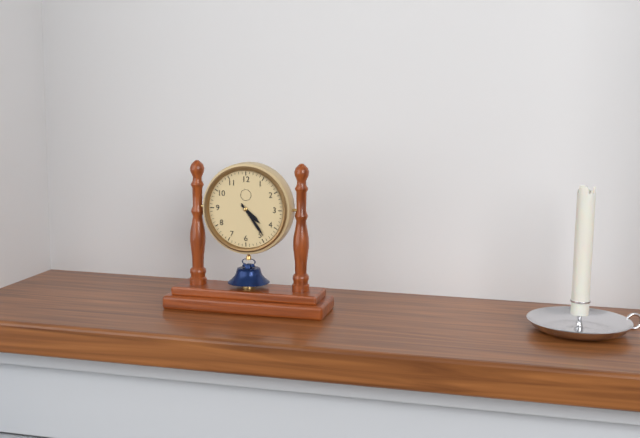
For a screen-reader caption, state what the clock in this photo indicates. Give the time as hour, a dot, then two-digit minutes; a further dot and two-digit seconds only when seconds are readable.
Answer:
4.24
